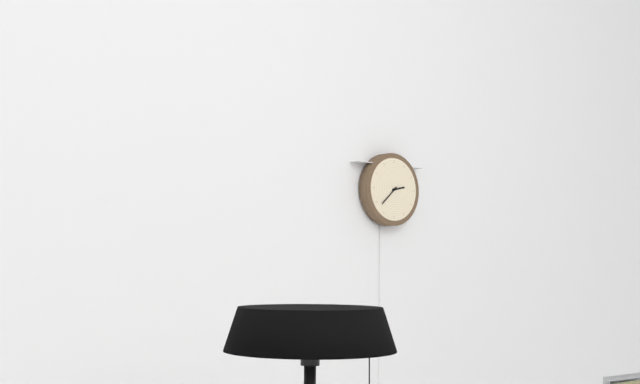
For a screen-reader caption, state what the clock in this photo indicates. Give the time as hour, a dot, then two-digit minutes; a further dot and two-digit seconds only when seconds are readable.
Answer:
2.38
